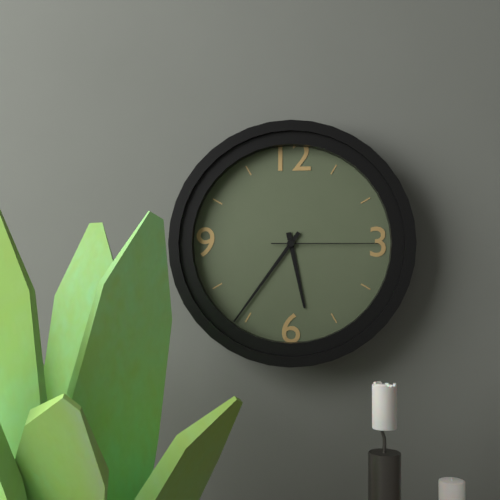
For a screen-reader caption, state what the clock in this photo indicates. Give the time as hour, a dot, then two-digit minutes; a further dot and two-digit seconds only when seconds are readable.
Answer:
5.36.15
